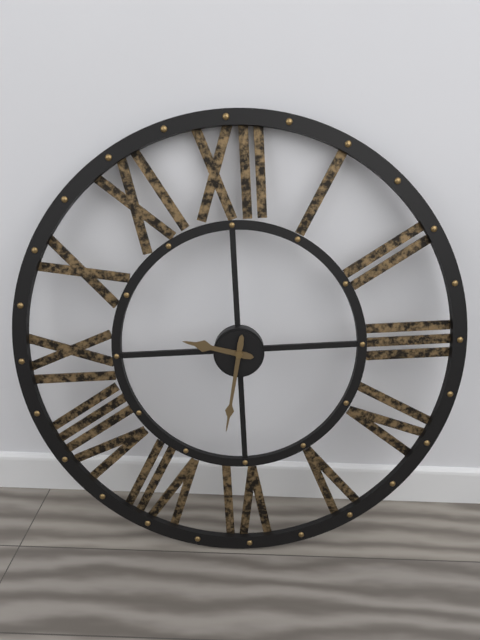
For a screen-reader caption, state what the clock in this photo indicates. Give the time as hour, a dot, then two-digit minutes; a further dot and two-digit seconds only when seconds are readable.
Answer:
9.32
